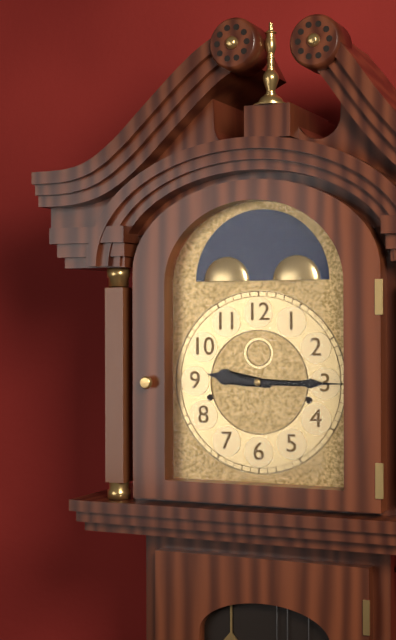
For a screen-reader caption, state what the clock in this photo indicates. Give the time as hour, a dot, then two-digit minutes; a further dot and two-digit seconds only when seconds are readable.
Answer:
9.15
